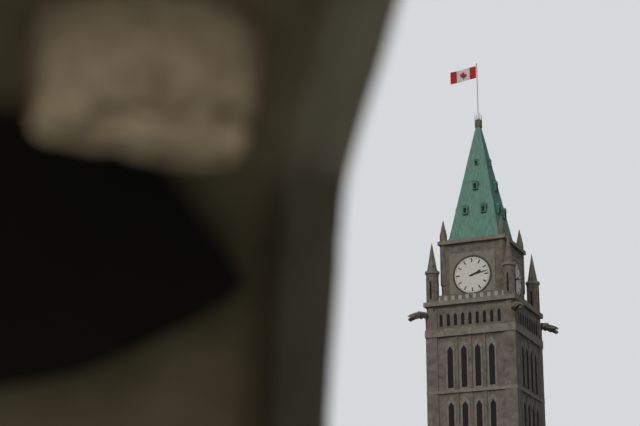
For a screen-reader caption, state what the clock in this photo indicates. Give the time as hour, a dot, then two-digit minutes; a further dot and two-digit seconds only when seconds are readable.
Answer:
2.13
